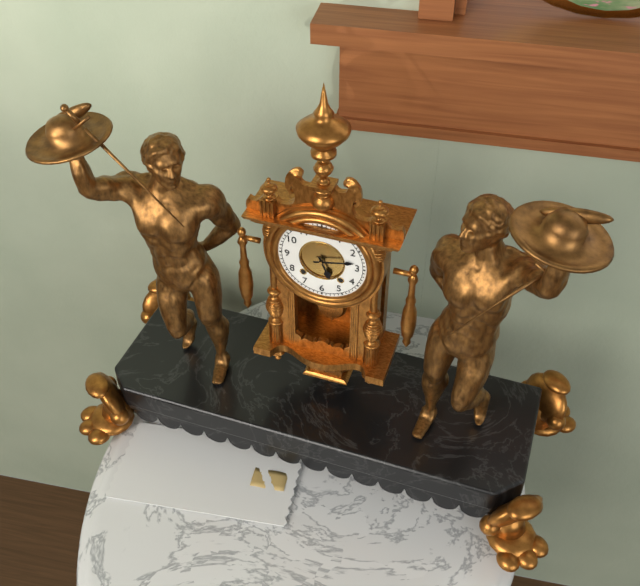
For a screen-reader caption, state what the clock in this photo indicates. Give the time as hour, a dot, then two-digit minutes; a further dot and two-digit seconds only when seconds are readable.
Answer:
5.13
